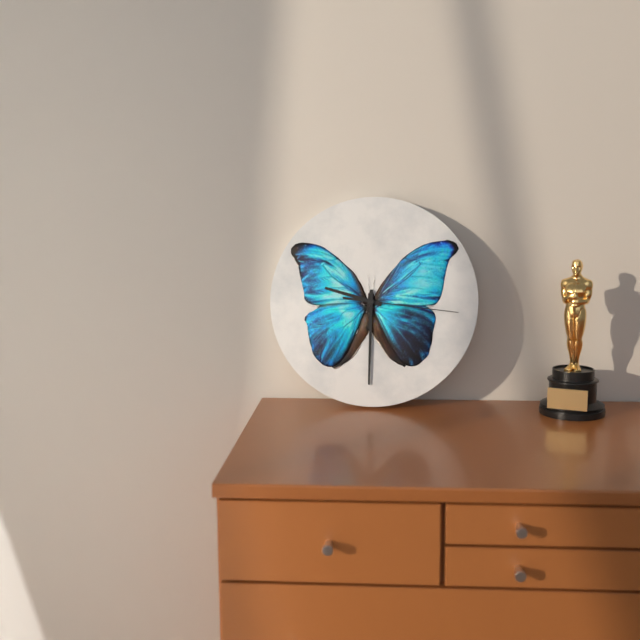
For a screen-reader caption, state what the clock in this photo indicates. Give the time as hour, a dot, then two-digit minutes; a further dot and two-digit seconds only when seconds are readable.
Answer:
9.30.16
